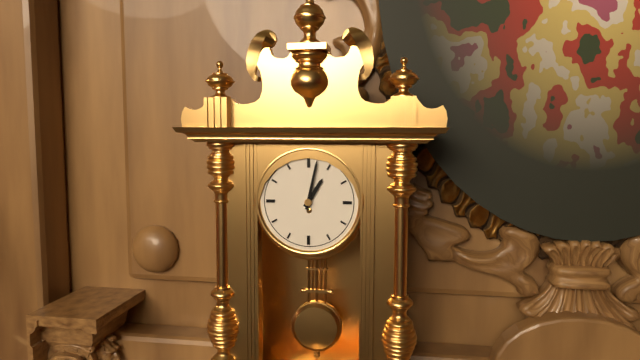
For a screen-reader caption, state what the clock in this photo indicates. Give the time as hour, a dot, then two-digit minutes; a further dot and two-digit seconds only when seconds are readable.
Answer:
1.02
